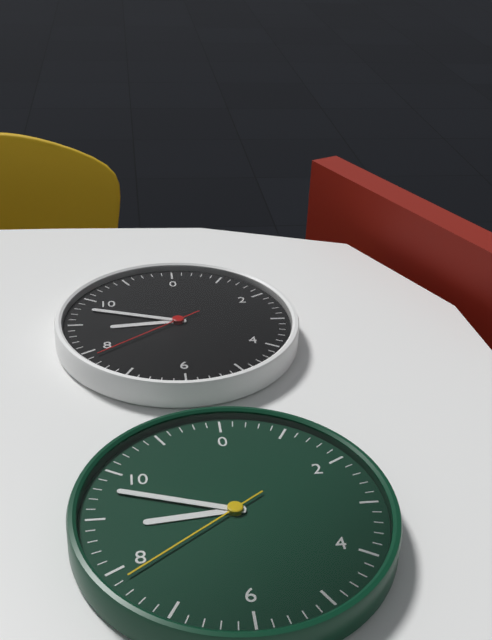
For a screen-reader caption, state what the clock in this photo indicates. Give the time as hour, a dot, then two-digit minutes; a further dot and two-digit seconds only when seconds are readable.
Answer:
8.48.39
